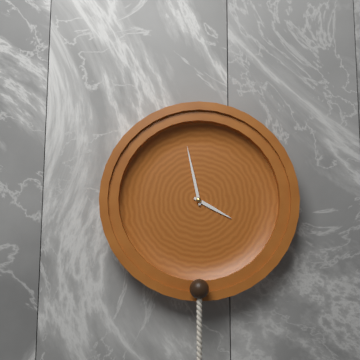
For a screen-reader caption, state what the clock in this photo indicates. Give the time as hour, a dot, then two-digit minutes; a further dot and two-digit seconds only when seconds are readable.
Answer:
3.58
